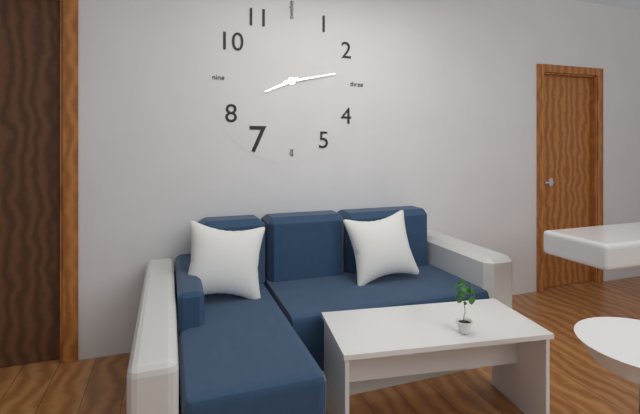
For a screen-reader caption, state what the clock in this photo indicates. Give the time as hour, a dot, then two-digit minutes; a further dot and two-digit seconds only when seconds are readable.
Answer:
8.13
